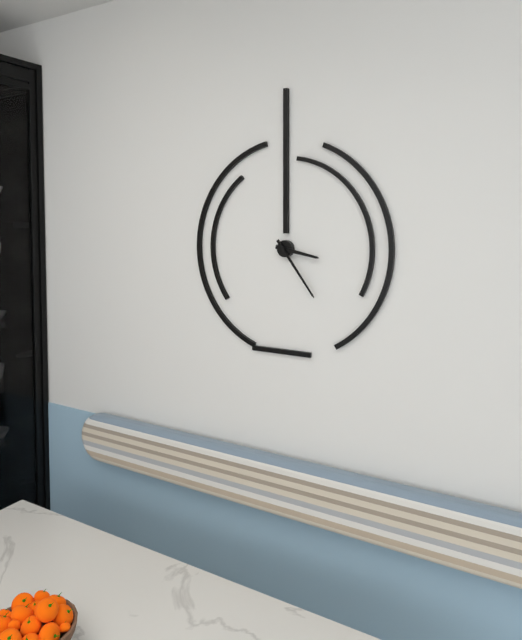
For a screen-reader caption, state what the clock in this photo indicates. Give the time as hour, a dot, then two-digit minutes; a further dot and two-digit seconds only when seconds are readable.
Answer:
3.24
